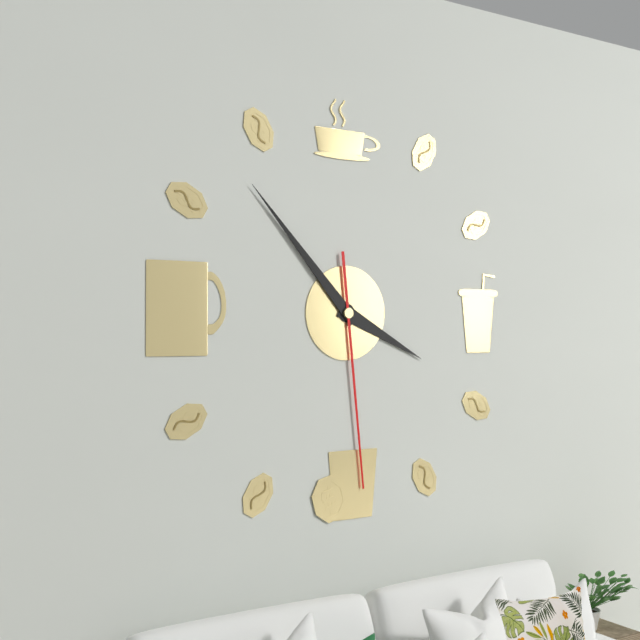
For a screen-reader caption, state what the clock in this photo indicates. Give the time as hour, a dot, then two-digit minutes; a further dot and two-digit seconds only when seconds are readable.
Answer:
3.53.29
